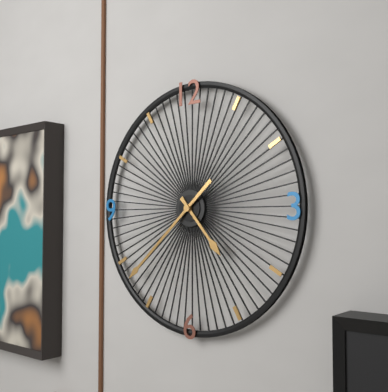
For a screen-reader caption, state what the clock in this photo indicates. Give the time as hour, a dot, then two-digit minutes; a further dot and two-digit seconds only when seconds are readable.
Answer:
4.38
